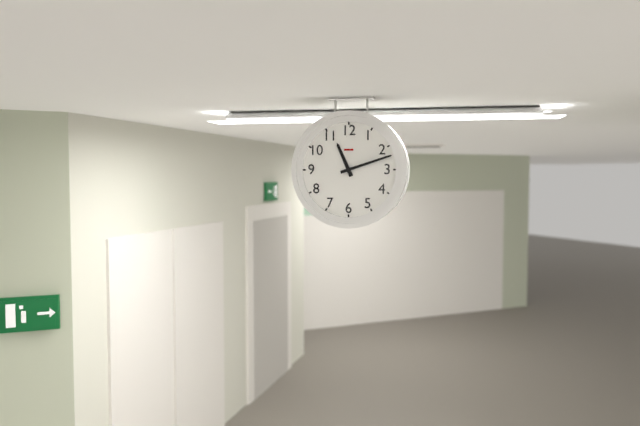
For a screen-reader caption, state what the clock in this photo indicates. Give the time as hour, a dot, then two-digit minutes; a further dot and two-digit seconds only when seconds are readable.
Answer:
11.12
